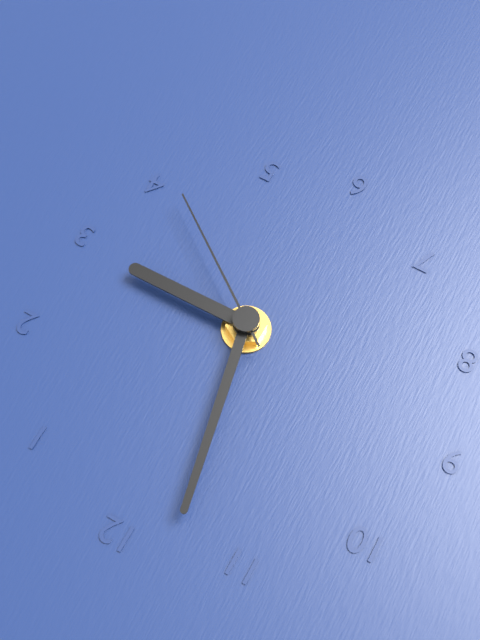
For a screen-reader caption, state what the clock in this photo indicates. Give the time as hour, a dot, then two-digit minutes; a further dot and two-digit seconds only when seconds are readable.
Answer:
2.58.21
